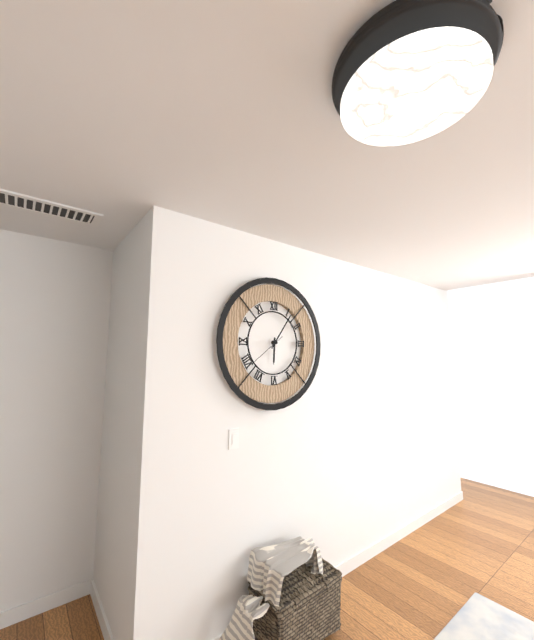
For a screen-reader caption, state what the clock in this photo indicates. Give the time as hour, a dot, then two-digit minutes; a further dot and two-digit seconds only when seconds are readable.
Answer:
6.06
